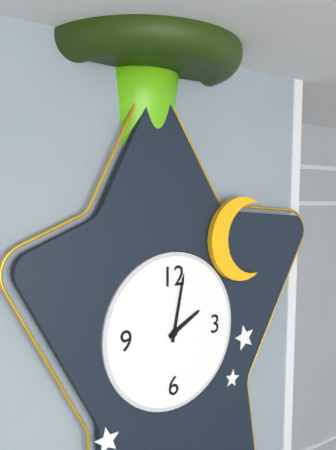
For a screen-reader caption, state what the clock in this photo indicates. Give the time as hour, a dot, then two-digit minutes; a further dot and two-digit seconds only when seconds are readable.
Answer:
2.02
